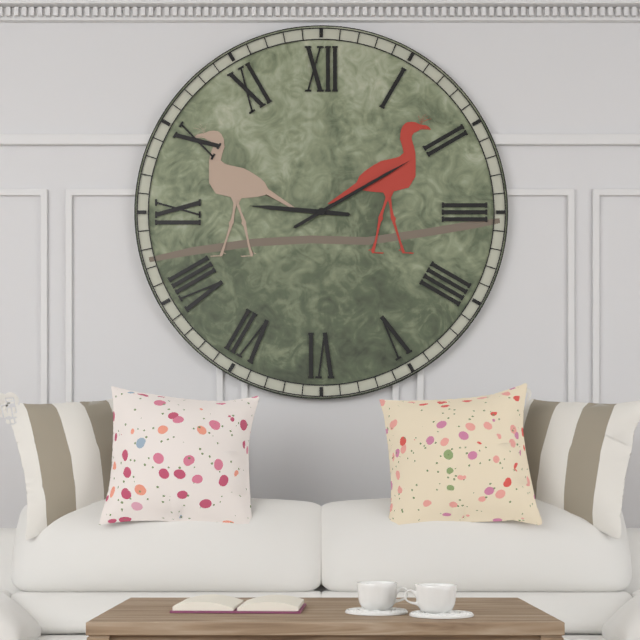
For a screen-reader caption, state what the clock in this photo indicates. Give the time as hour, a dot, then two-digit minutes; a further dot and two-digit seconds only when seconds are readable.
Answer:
9.10
